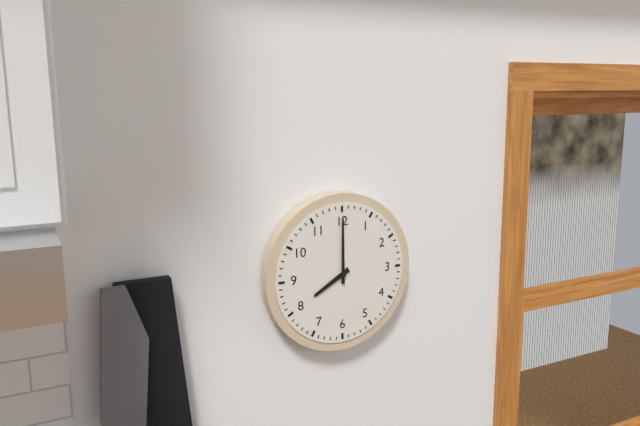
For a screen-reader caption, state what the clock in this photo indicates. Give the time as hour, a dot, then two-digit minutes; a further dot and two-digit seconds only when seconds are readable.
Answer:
8.00
